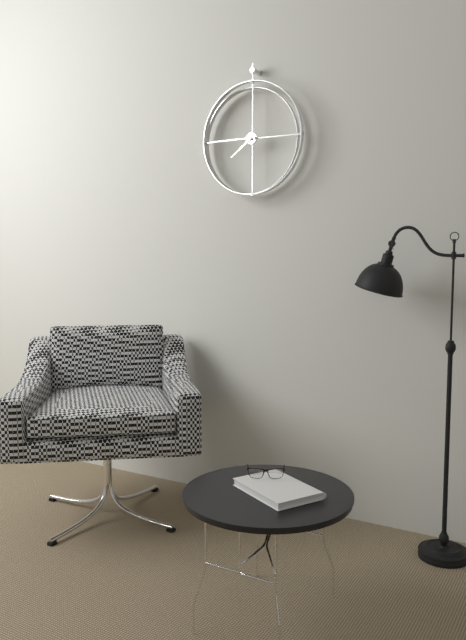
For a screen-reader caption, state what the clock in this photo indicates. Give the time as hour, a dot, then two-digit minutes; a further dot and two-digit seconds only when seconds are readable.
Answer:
7.45
